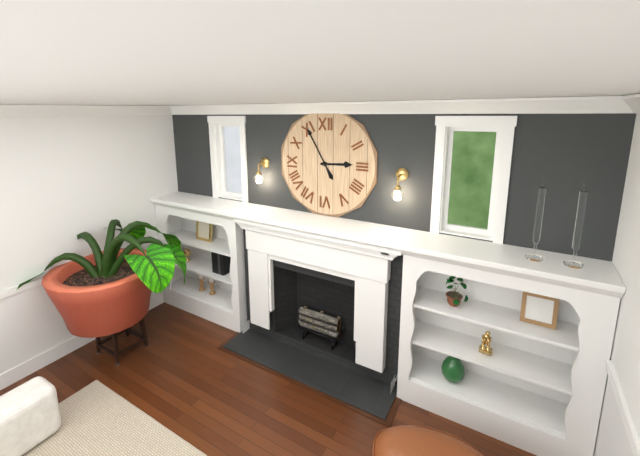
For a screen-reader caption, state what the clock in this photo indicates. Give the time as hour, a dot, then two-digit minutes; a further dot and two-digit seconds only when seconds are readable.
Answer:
2.55
